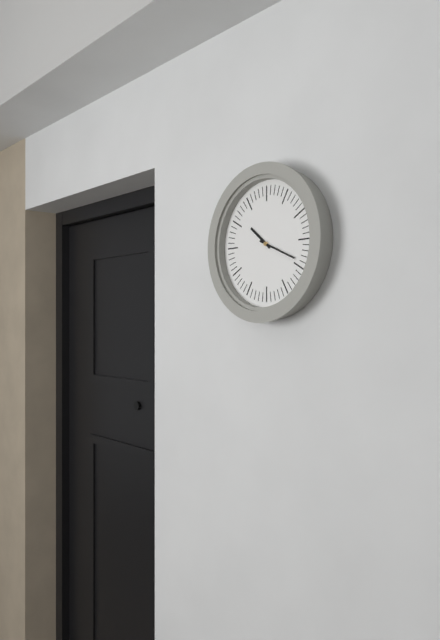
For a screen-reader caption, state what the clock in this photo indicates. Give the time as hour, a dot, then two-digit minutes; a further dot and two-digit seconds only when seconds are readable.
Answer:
10.19
